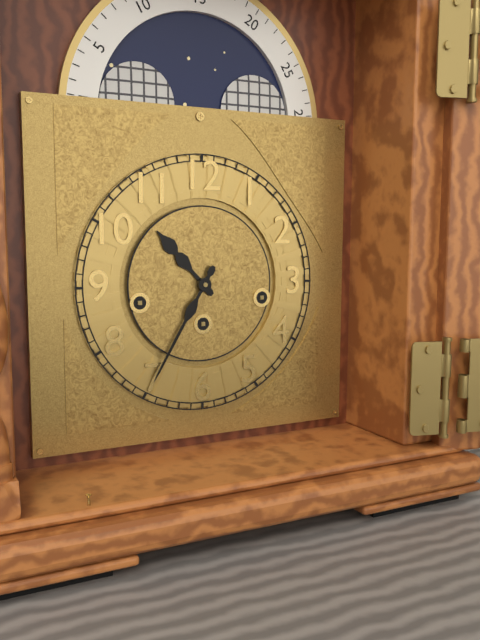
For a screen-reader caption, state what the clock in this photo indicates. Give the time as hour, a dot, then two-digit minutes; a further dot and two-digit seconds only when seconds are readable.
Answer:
10.35
